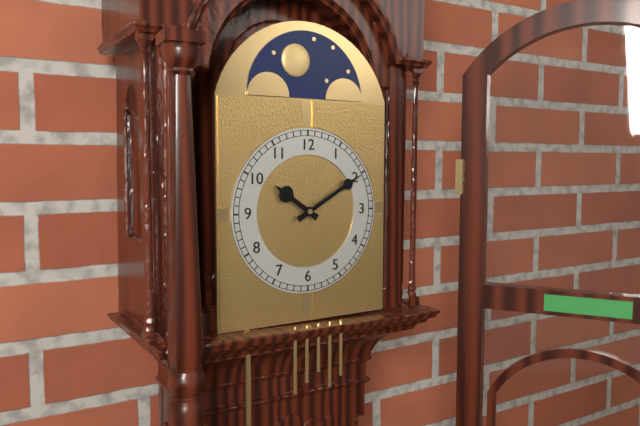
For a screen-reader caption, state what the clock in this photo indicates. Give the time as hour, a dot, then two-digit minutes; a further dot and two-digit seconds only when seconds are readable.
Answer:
10.10
